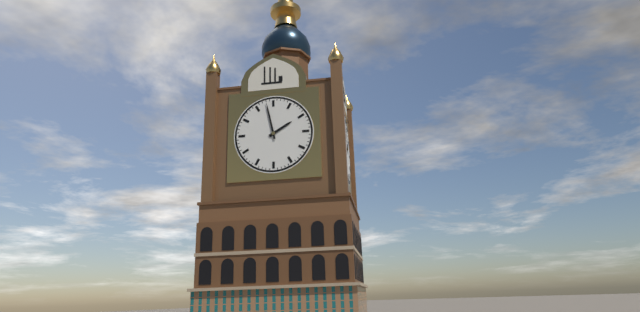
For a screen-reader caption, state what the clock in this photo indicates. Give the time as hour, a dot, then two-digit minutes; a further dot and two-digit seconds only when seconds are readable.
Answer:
1.58
